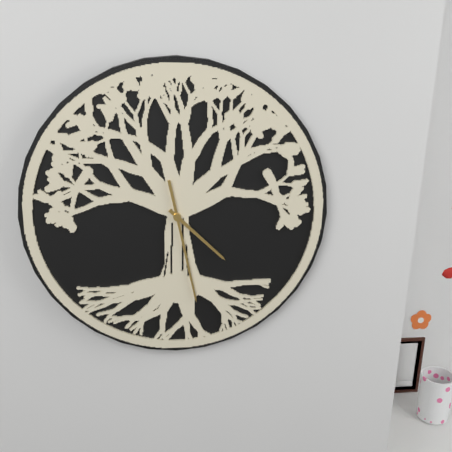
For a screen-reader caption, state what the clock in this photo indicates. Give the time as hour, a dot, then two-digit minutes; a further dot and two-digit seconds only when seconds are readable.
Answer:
4.28
